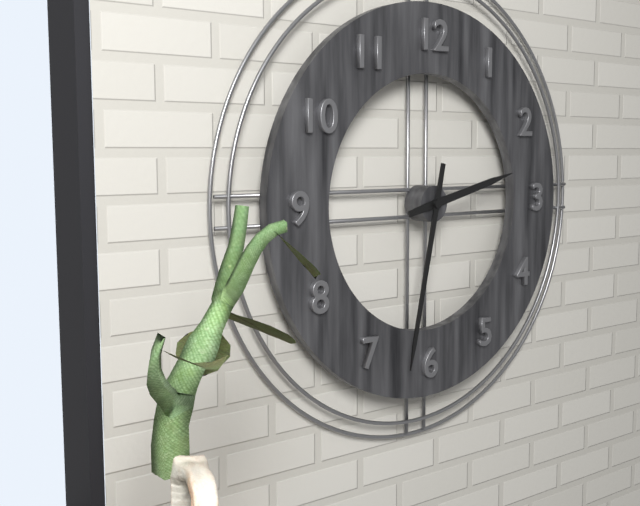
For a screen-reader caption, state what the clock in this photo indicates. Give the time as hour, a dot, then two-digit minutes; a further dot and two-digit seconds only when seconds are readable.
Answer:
2.32
